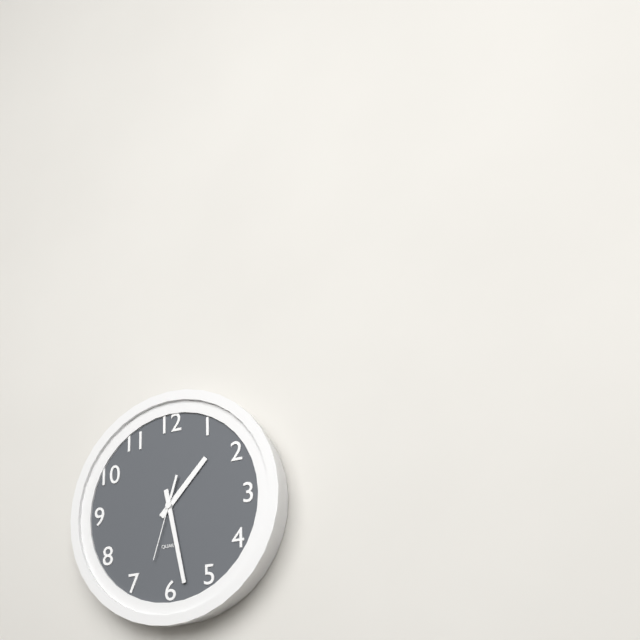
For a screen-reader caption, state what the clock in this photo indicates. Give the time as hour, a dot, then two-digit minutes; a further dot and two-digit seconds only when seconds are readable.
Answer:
1.28.33
